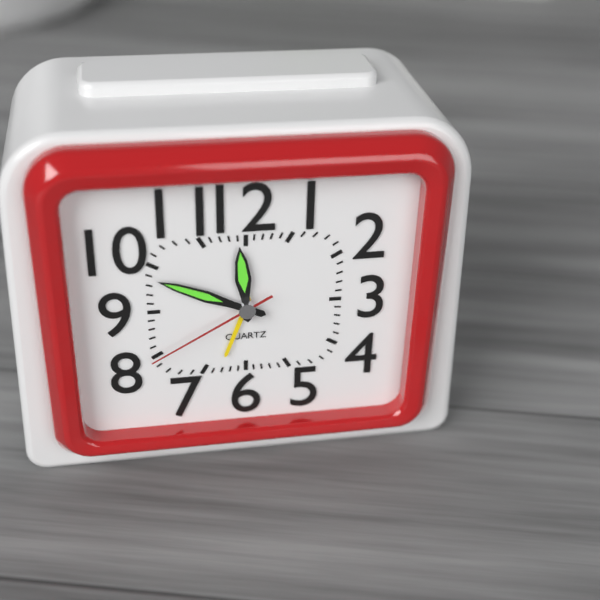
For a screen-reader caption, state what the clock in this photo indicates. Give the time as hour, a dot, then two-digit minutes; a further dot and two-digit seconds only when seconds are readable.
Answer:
11.49.40
